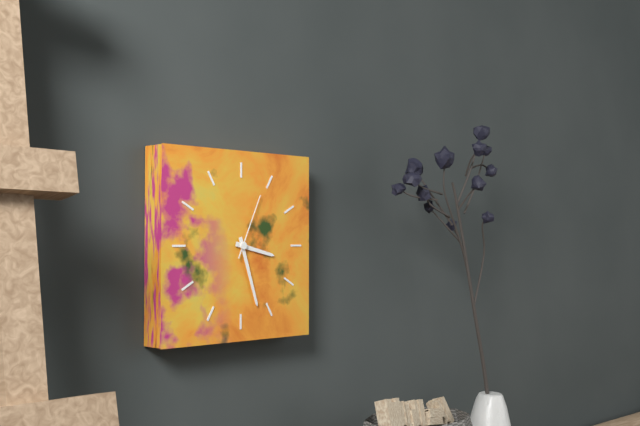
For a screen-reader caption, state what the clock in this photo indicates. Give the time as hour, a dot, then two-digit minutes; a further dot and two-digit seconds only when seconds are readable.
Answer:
3.27.04
